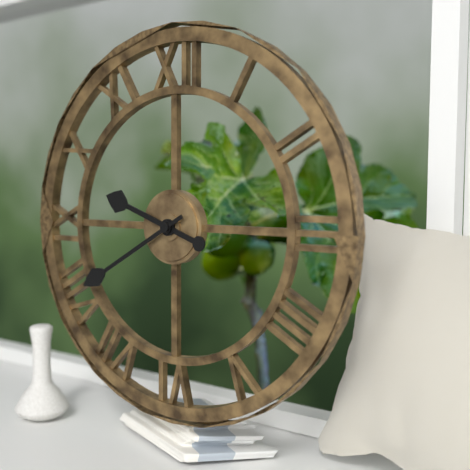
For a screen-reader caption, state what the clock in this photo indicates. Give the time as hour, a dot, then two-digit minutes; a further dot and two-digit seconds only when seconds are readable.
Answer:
9.40
